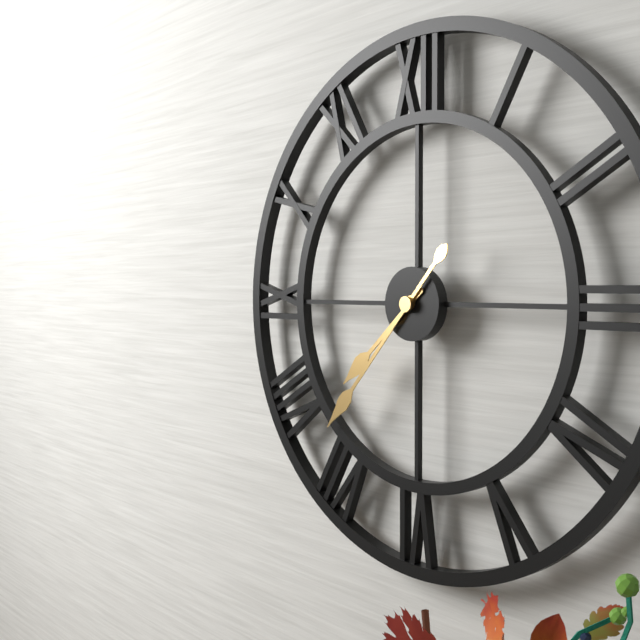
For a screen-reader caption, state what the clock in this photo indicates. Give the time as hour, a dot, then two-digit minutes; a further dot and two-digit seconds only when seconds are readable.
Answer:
7.37
